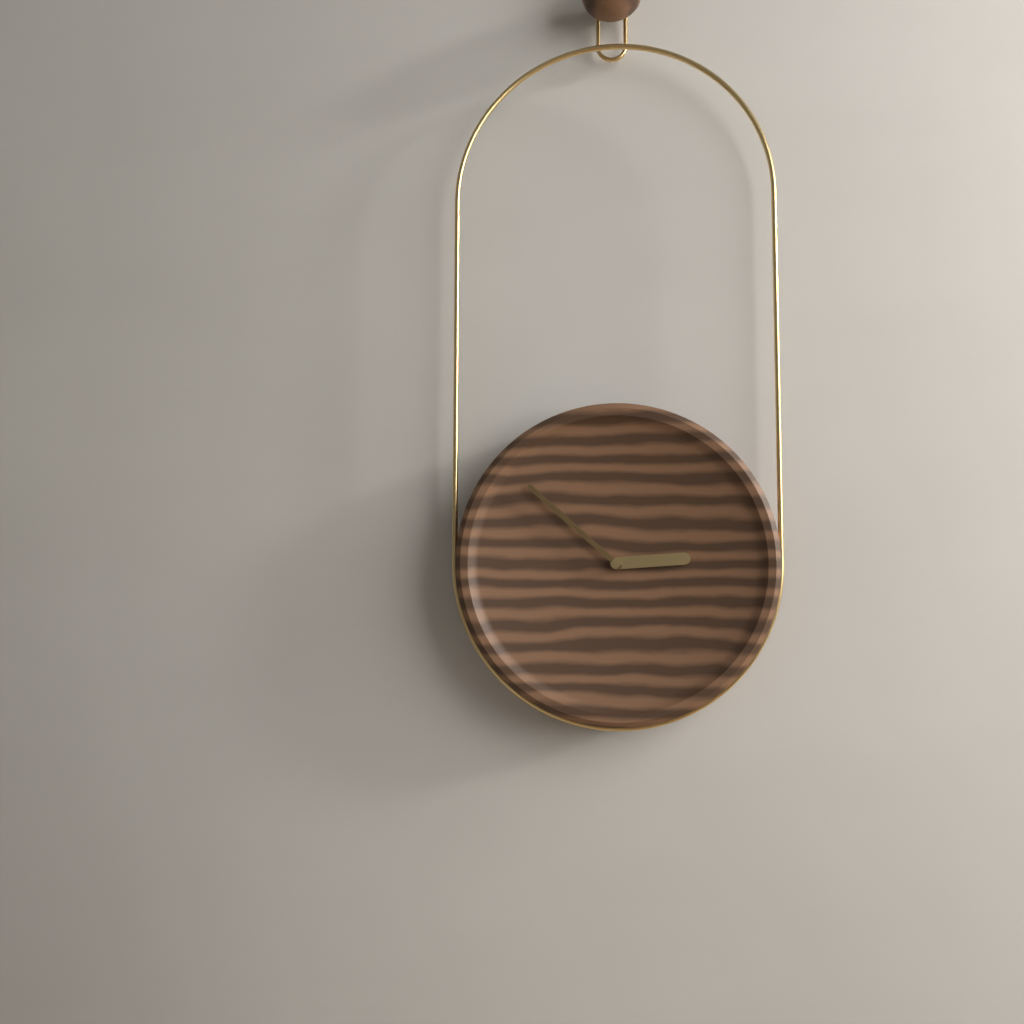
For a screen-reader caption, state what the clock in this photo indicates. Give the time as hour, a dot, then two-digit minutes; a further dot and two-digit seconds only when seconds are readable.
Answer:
2.52
